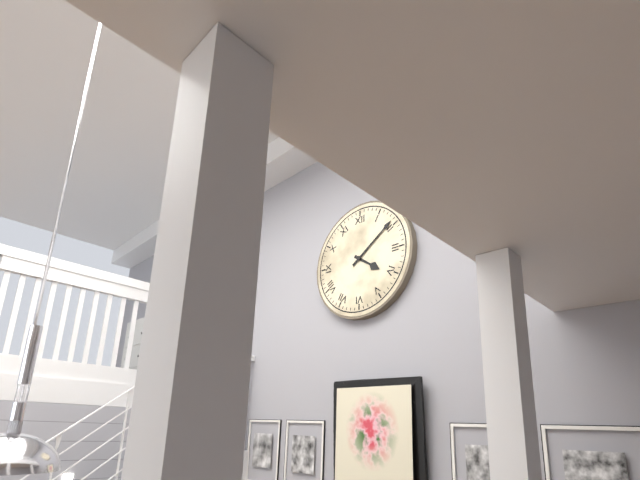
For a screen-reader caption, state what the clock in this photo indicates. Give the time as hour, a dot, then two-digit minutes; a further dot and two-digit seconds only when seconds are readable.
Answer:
4.09
